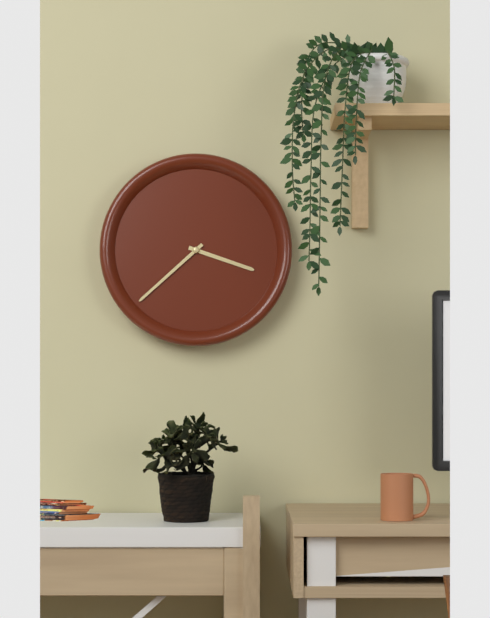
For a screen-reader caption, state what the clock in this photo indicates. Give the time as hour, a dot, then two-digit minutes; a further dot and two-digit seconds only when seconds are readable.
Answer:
3.38
